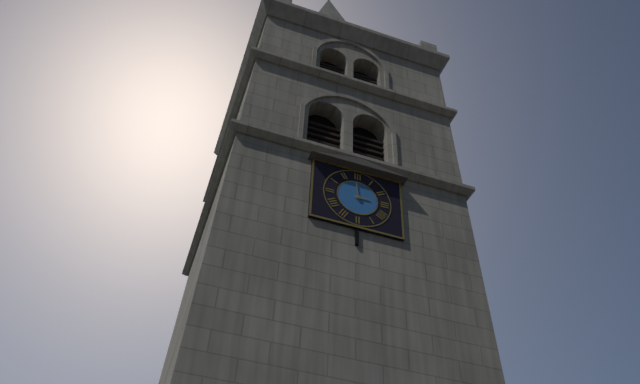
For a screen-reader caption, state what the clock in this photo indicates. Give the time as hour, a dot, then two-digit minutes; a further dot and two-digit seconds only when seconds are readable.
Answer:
2.59
